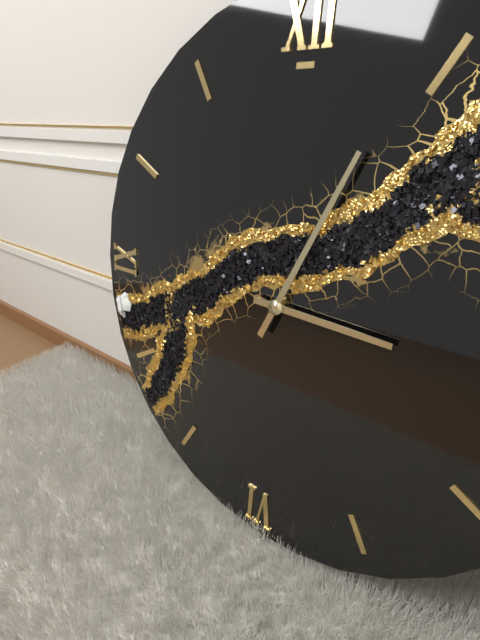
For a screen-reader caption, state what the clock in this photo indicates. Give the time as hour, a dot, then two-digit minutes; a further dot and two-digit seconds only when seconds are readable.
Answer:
3.04
